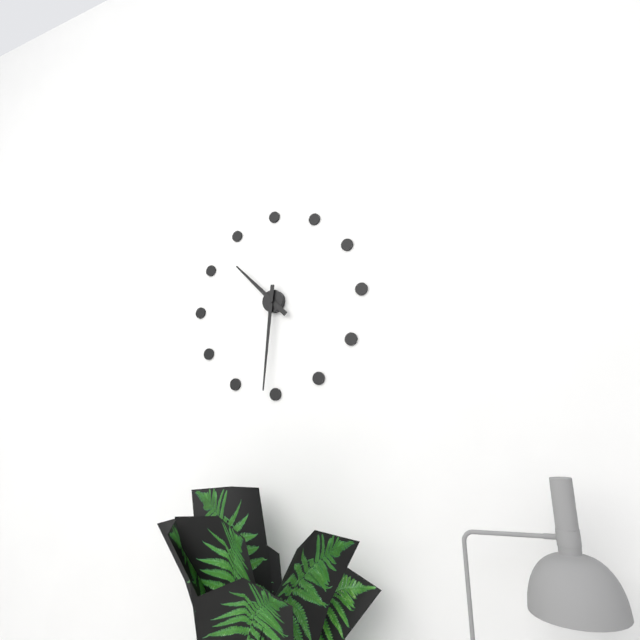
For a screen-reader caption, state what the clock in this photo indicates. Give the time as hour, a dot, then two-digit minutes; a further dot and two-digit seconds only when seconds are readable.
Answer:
10.31
